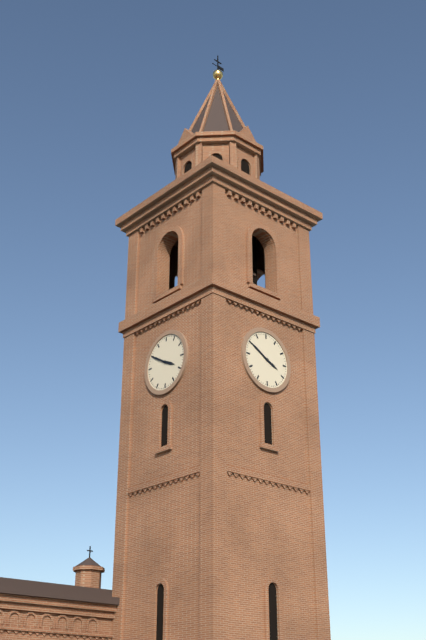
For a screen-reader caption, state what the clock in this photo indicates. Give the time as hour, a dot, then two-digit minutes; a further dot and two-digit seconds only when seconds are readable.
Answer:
3.50
